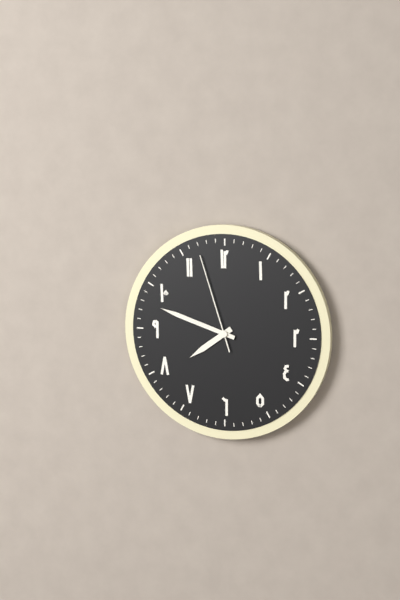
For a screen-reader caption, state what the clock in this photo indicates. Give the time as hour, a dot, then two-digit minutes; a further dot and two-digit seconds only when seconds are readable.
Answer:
7.48.57
